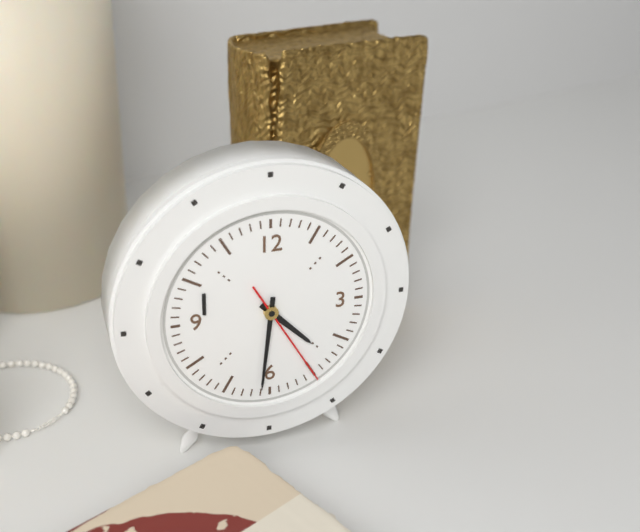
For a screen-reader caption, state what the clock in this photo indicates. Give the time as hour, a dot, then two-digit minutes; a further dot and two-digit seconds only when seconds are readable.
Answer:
4.31.25
